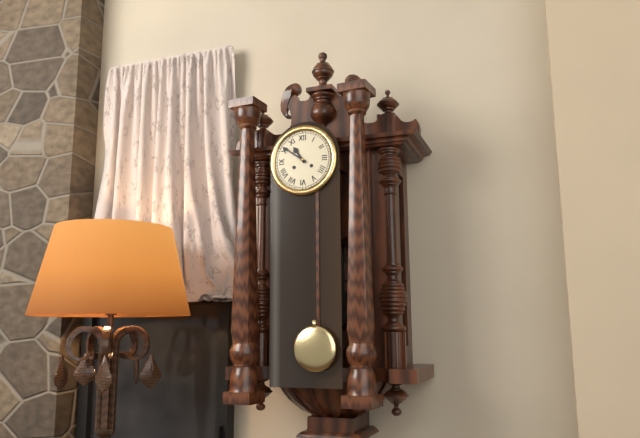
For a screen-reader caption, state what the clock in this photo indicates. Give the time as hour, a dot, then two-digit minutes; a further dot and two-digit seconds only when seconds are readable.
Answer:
10.51
